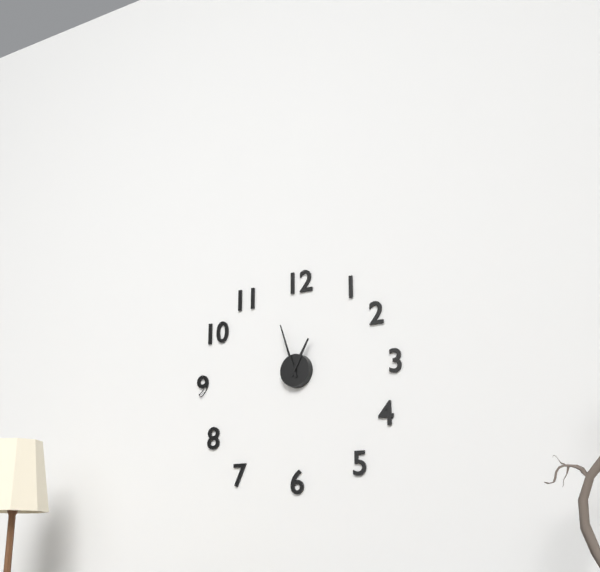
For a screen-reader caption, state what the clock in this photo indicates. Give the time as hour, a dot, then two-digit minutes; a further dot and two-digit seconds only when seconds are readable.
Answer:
12.57
